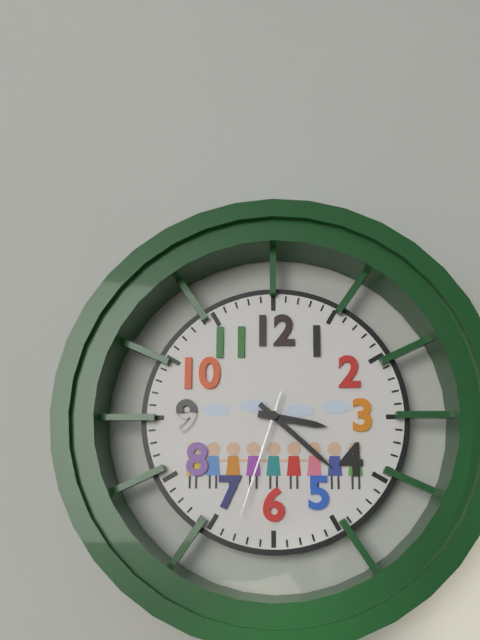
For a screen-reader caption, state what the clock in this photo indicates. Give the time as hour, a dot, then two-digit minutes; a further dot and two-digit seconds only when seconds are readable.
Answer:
3.22.33
